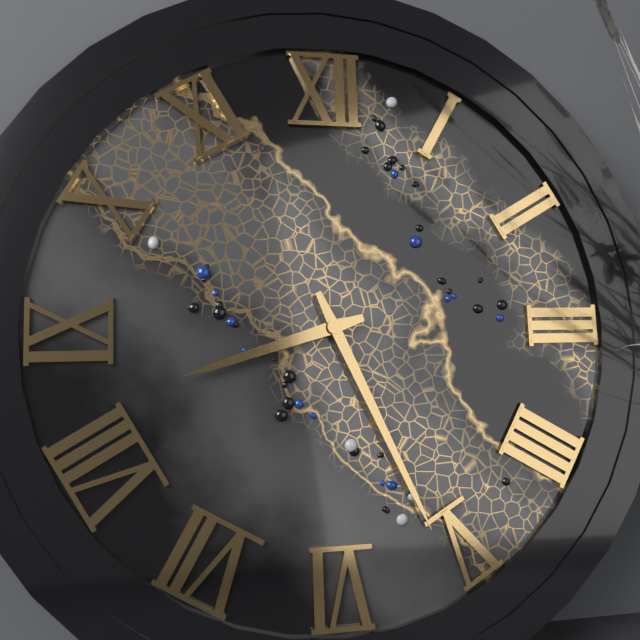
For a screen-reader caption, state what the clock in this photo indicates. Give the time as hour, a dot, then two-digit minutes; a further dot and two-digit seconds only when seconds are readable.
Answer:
8.26
